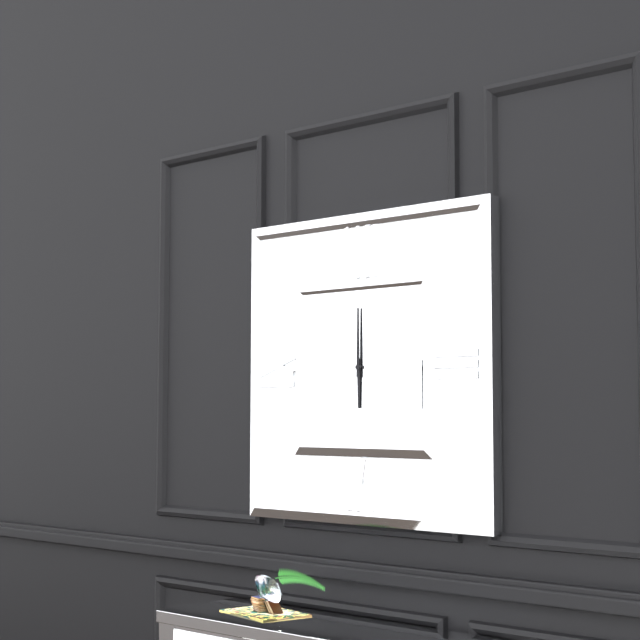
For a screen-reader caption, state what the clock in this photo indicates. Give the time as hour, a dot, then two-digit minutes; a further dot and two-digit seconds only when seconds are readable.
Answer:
6.00
